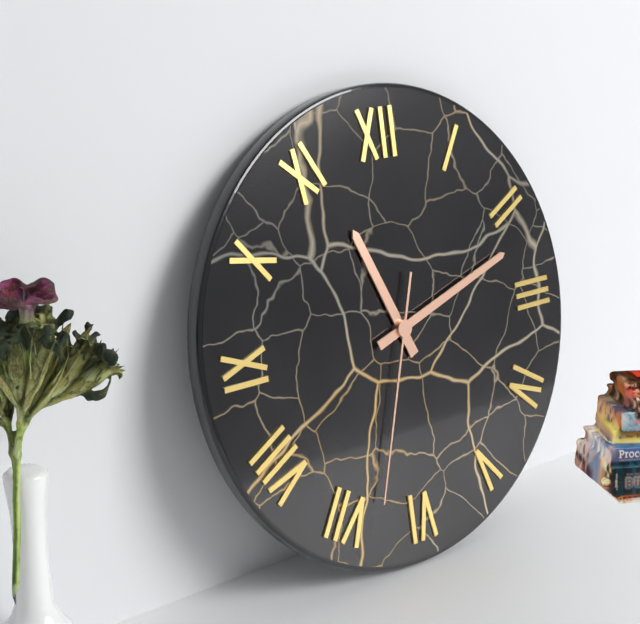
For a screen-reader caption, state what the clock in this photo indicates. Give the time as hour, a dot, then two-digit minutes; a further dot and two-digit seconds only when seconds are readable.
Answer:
11.12.33
